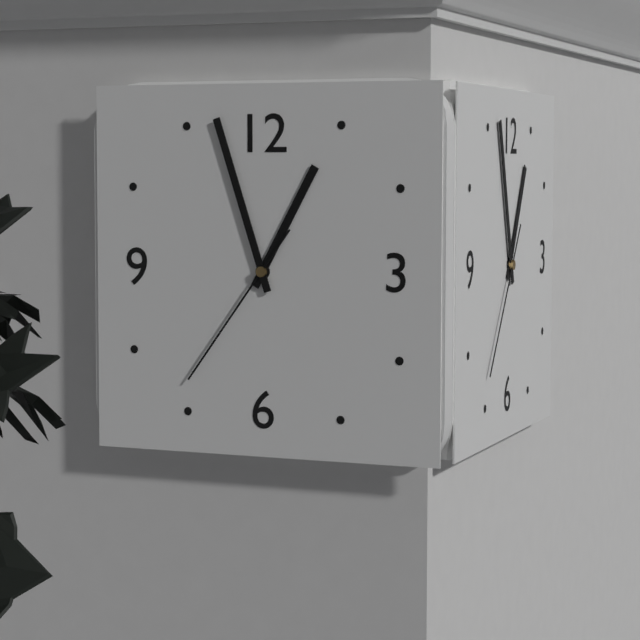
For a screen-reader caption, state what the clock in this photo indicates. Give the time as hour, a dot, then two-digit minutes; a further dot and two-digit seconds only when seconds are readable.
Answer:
12.57.36
